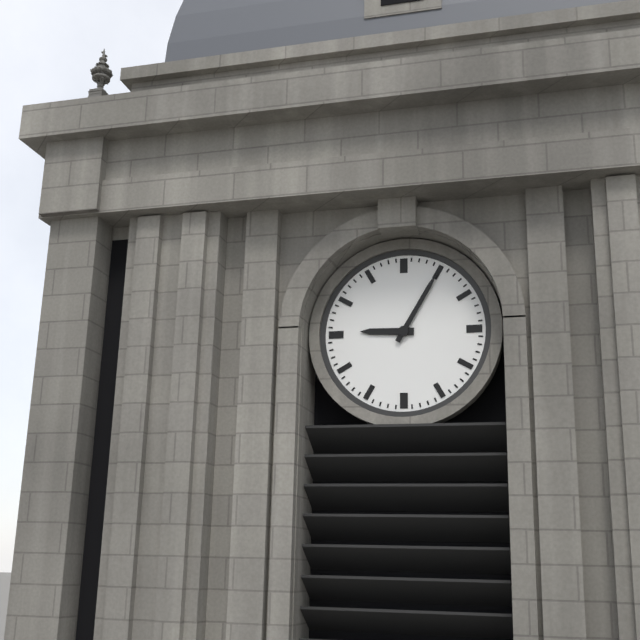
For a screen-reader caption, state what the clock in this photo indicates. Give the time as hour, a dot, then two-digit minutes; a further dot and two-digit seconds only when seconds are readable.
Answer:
9.05
